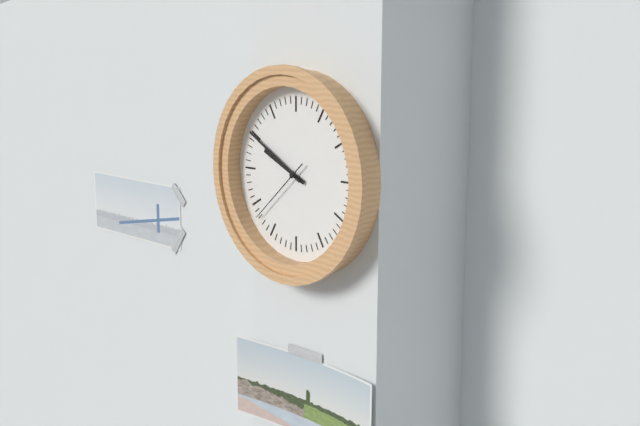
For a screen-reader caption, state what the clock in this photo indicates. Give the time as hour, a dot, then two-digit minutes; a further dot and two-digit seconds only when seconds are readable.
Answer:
9.50.38
